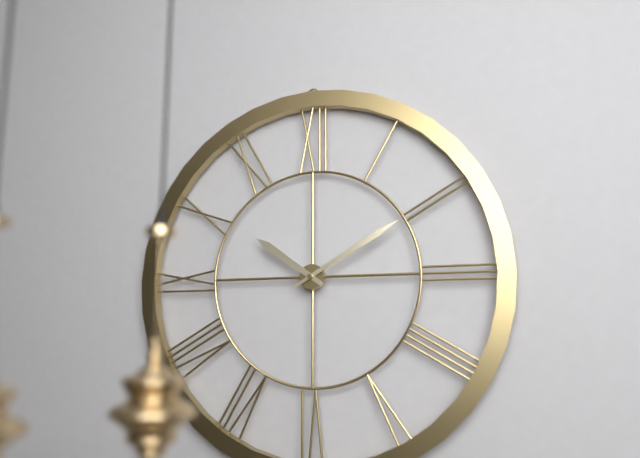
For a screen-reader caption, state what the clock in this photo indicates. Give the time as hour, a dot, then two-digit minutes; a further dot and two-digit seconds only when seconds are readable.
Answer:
10.10
